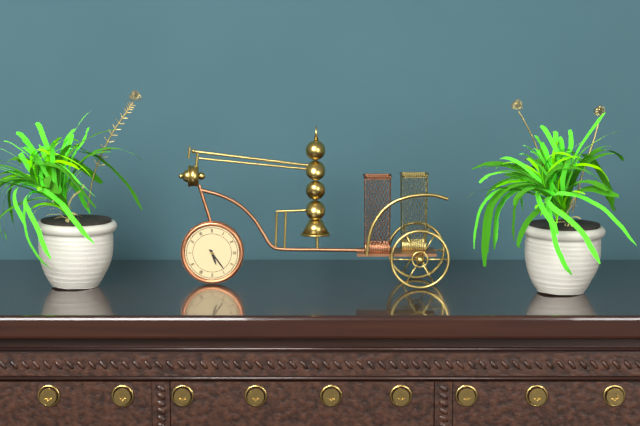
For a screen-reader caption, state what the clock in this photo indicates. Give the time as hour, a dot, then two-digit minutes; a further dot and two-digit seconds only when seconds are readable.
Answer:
5.24
